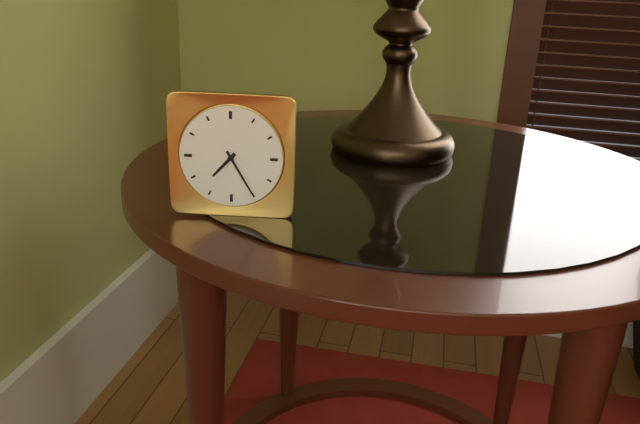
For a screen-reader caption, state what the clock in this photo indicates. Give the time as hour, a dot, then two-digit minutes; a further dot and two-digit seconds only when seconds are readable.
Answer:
7.25
